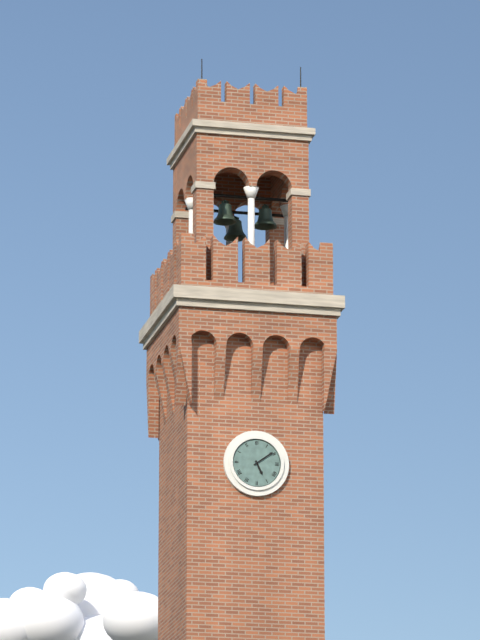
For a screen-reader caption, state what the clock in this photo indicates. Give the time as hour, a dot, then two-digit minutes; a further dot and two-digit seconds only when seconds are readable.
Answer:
5.09
